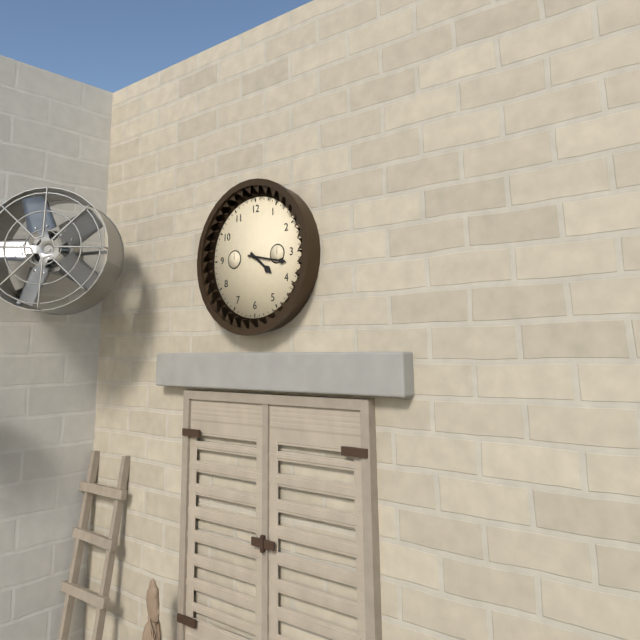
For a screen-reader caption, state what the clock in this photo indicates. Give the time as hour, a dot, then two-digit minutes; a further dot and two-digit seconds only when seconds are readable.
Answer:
4.17
